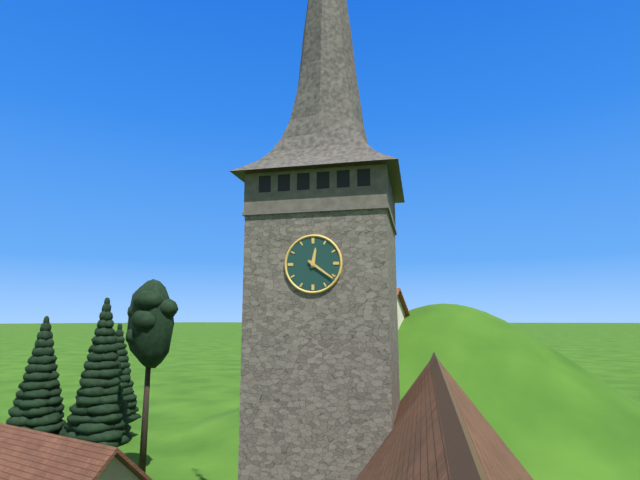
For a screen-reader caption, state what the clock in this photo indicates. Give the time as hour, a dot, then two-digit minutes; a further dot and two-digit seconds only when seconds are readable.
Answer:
12.21
